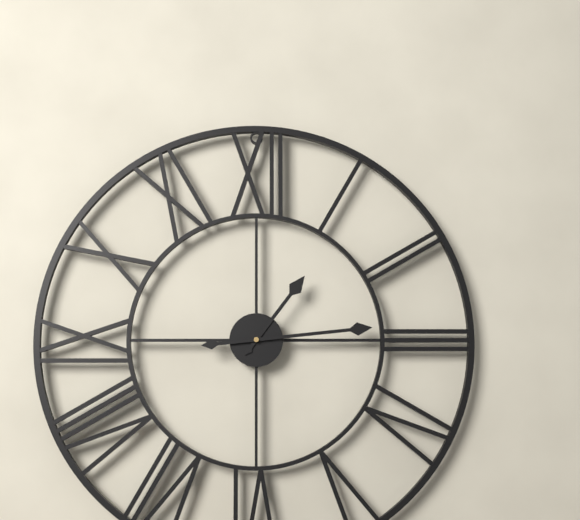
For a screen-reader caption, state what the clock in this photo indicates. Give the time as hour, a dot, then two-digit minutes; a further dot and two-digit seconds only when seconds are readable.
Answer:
1.14
